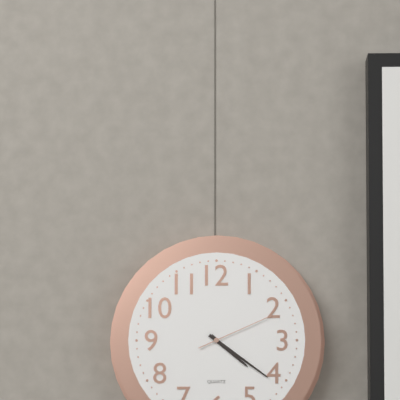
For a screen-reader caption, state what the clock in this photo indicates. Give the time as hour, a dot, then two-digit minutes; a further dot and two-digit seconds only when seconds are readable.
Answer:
4.21.11
